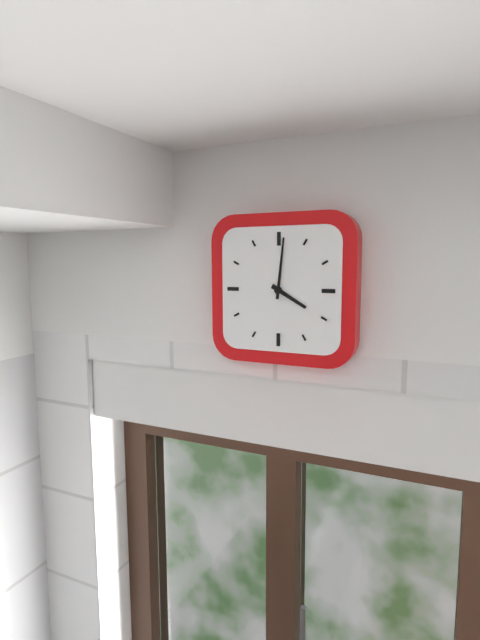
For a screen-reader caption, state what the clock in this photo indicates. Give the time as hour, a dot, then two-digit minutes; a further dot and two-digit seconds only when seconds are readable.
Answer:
4.01
